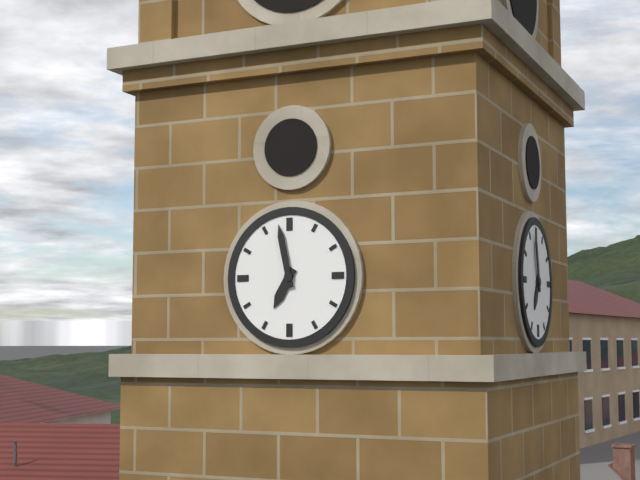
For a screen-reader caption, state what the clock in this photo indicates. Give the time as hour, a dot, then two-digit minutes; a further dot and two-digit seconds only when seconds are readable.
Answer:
6.58
